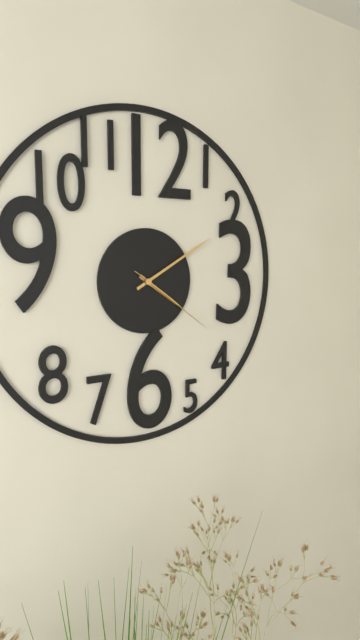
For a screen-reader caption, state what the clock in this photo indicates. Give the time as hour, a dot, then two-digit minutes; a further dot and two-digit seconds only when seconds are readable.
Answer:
4.10.21
